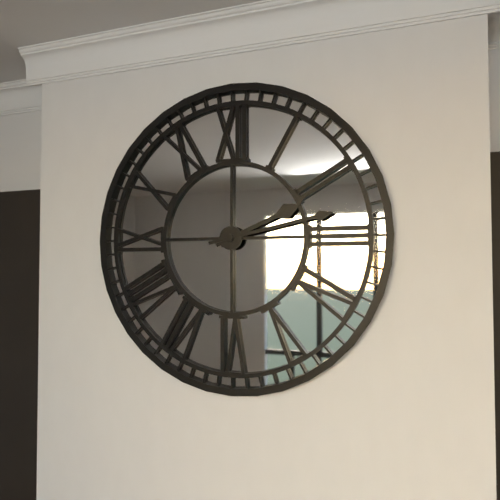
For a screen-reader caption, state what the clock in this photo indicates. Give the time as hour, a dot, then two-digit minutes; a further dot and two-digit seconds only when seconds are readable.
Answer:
2.13
